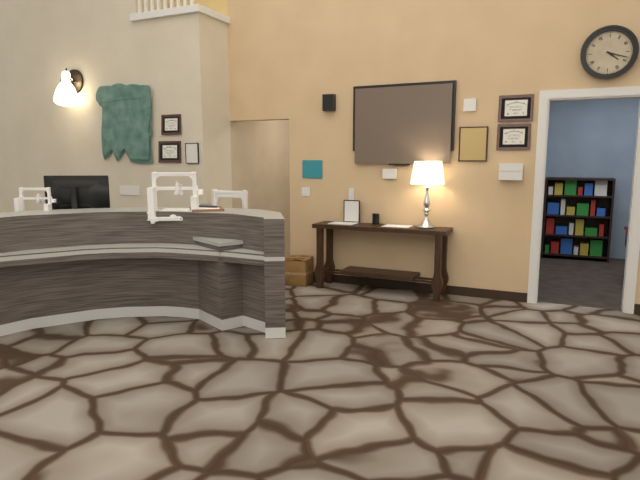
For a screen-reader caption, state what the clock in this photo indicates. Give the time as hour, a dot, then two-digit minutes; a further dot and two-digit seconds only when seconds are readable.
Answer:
4.18
